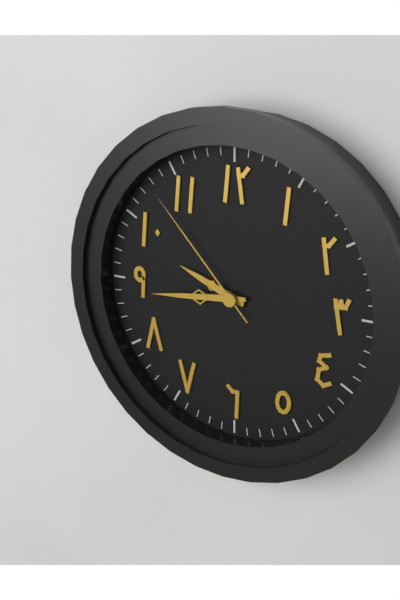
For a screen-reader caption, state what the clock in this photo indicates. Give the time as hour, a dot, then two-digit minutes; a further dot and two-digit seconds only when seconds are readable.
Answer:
9.44.53
